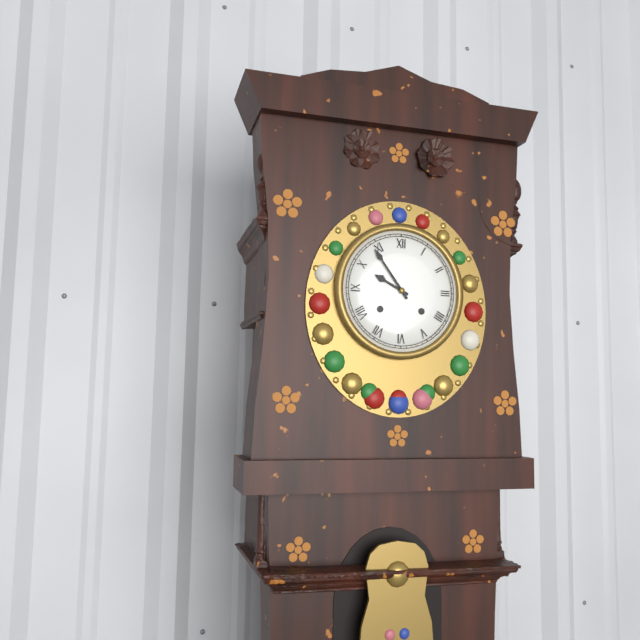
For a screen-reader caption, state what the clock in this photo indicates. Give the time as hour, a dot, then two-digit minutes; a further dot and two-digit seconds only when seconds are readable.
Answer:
9.54
